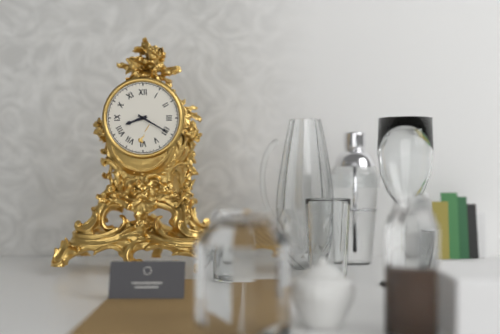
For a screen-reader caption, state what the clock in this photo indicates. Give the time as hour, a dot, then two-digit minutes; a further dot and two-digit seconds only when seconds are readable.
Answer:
8.20
